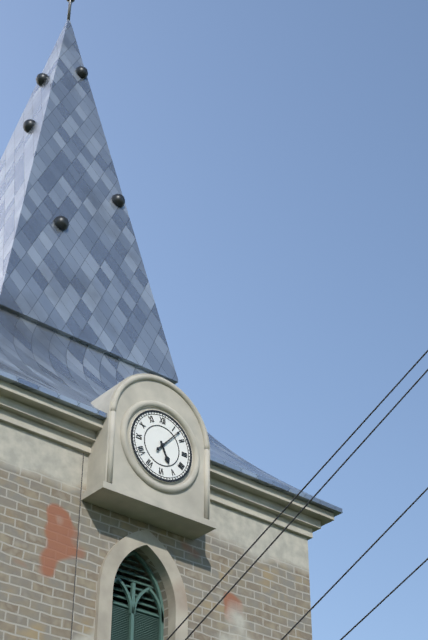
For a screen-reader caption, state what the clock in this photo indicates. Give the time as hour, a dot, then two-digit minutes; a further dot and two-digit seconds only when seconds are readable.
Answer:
5.07
